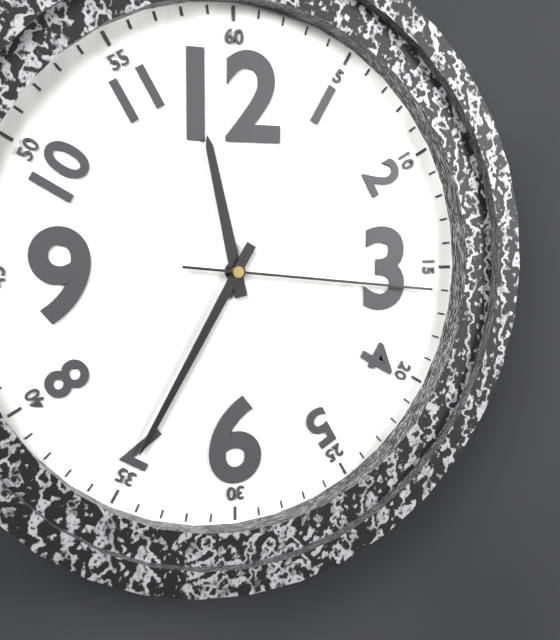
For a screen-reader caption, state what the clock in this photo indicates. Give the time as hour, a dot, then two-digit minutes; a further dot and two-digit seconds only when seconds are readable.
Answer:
11.35.16
